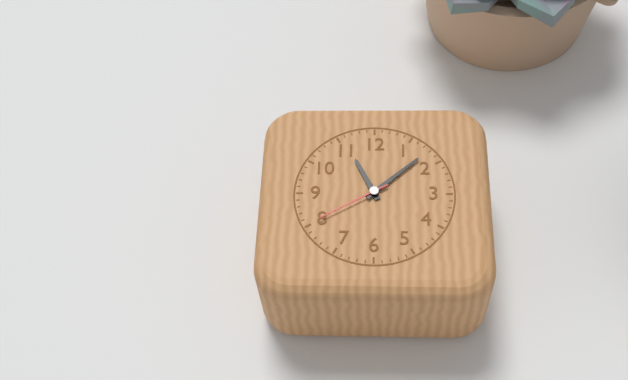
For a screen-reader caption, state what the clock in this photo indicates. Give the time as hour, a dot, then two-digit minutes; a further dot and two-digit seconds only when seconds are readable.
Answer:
11.08.40
